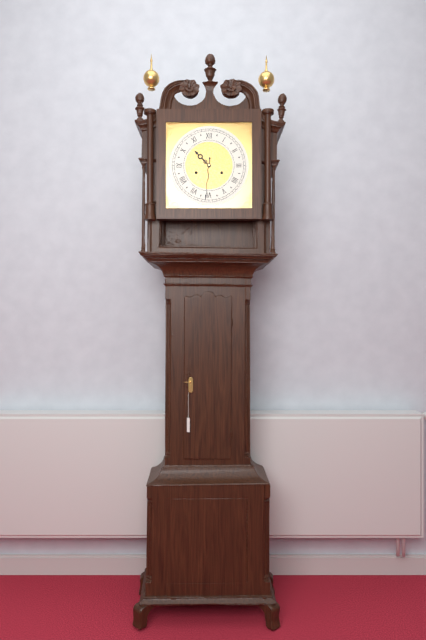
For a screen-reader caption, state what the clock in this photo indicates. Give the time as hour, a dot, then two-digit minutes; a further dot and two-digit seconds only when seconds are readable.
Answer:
10.31
